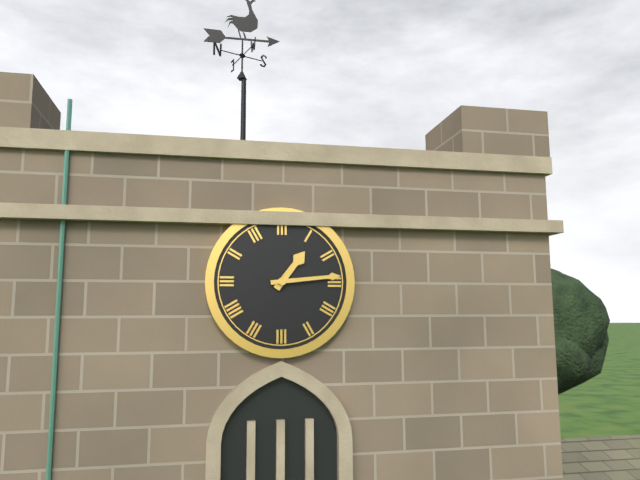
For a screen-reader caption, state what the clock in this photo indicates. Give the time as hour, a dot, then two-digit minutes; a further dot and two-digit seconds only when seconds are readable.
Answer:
1.14
